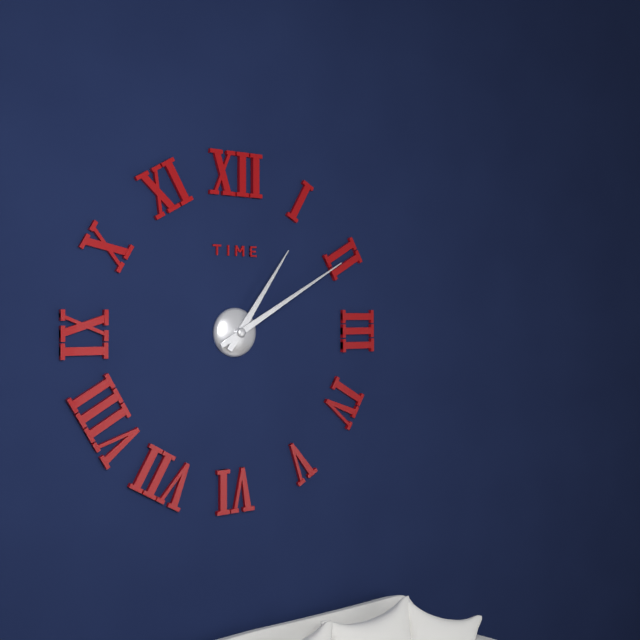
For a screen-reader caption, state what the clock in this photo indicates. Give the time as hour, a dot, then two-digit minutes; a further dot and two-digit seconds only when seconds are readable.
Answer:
1.10
